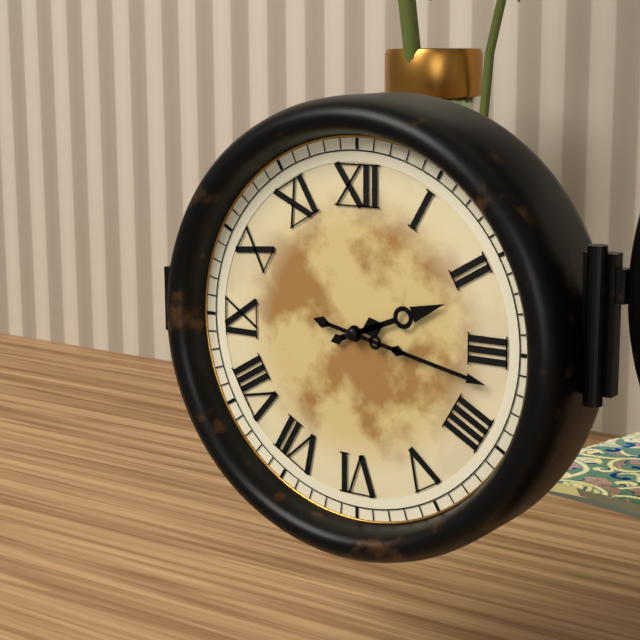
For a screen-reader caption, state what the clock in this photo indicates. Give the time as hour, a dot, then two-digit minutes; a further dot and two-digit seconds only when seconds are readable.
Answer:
2.17
